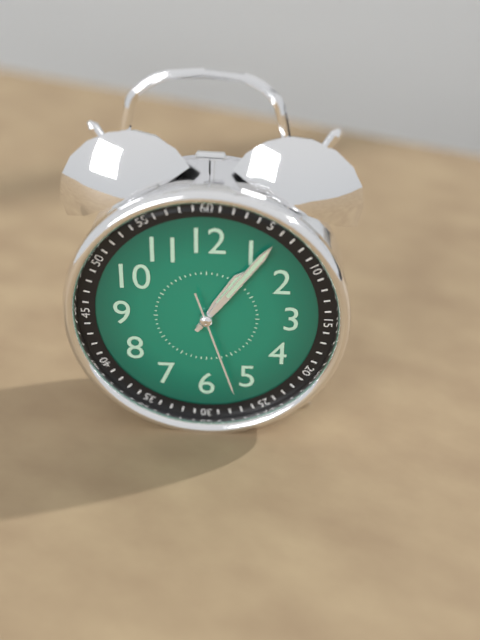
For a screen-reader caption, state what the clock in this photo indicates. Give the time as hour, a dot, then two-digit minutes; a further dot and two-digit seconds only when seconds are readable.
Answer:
1.06.27
